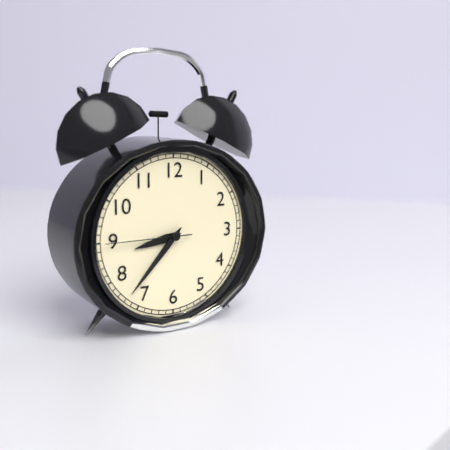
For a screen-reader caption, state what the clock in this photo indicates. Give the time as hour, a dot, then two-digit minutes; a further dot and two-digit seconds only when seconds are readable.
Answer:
8.37.45
